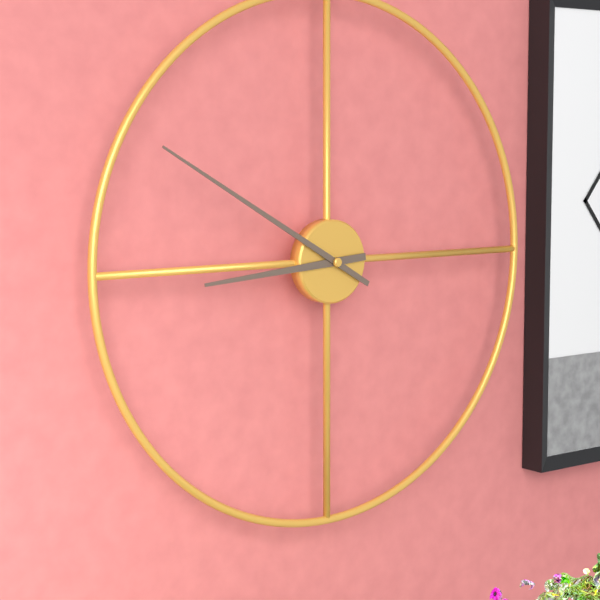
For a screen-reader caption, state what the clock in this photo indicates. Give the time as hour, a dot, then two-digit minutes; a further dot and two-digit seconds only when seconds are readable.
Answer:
8.50
